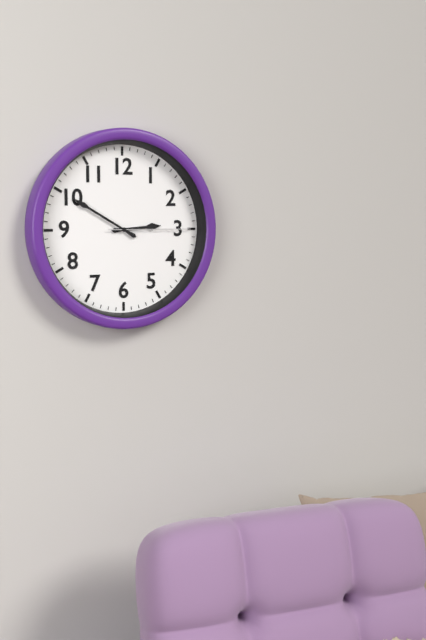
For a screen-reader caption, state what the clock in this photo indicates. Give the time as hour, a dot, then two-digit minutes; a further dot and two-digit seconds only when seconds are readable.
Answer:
2.50.15
